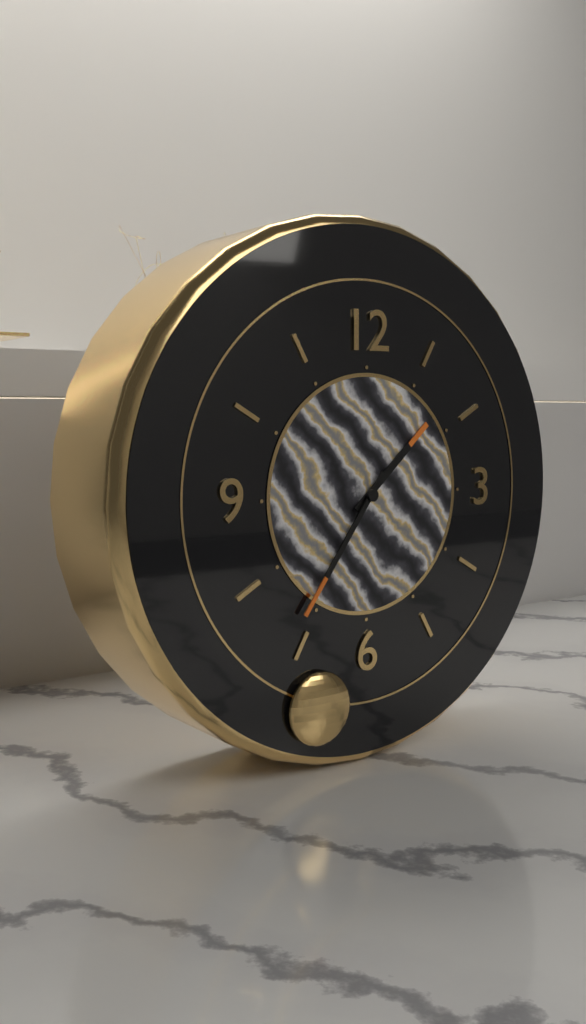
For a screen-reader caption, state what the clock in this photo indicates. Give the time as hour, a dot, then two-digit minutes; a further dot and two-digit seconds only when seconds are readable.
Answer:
1.36
